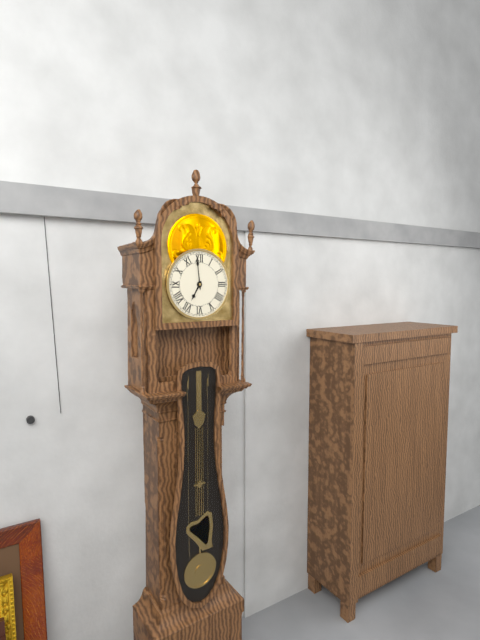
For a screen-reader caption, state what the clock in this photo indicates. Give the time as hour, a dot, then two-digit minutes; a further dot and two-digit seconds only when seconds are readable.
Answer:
6.59
